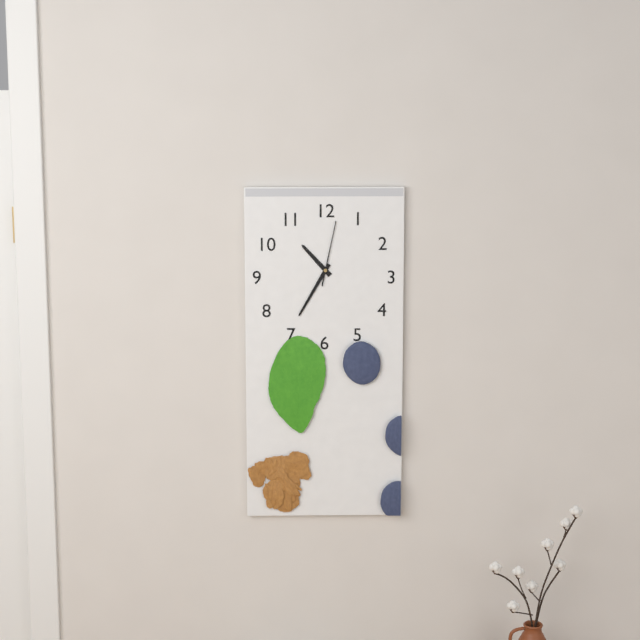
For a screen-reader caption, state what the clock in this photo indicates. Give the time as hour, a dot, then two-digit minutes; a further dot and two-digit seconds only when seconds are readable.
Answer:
10.35.02
